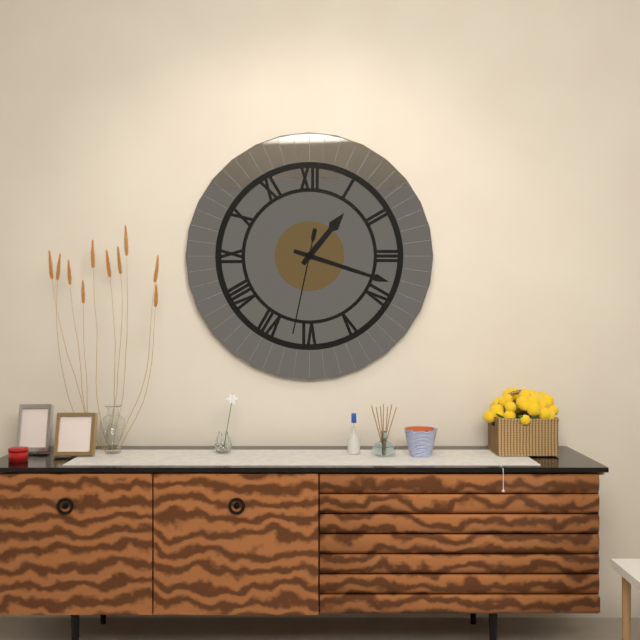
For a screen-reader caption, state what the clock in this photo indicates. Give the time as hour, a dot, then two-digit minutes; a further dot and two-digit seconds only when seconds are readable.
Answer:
1.18.32
